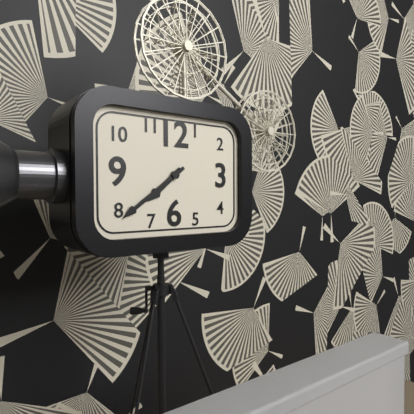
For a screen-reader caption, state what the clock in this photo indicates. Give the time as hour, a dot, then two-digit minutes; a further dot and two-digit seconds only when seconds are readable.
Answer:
7.39
